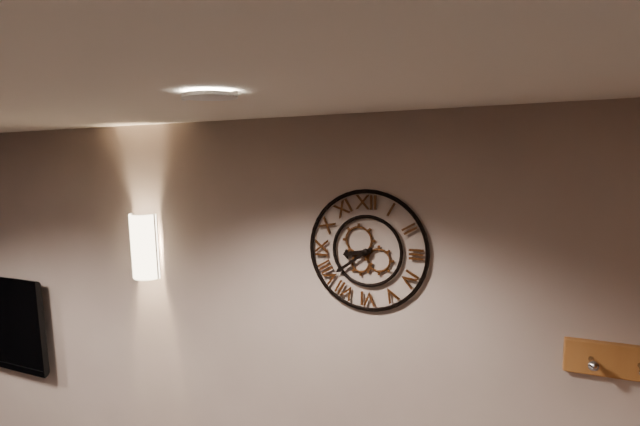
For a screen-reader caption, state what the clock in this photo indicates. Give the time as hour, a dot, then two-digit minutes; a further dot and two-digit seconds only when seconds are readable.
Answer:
8.39
